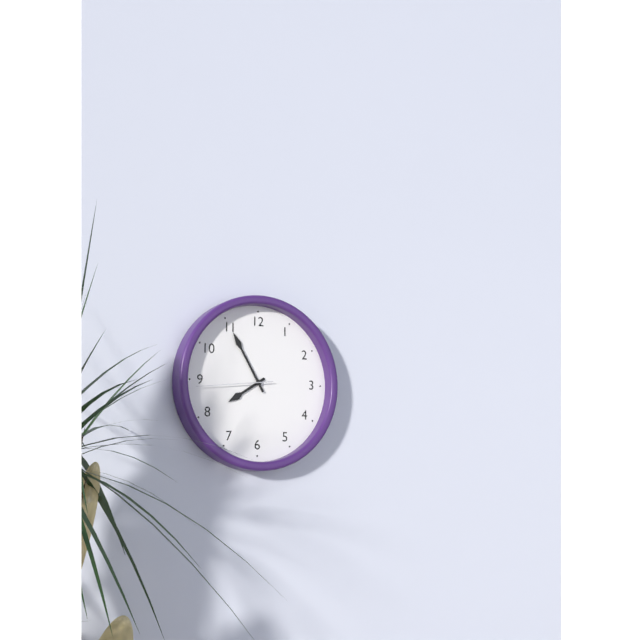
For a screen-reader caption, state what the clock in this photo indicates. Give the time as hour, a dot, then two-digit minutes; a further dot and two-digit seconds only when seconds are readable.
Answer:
7.55.44
